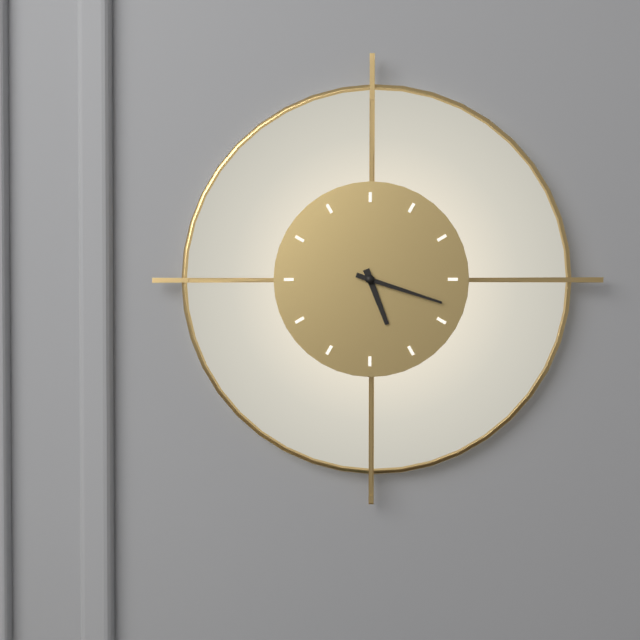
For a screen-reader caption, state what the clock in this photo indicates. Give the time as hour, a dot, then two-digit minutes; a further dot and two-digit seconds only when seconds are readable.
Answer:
5.18
